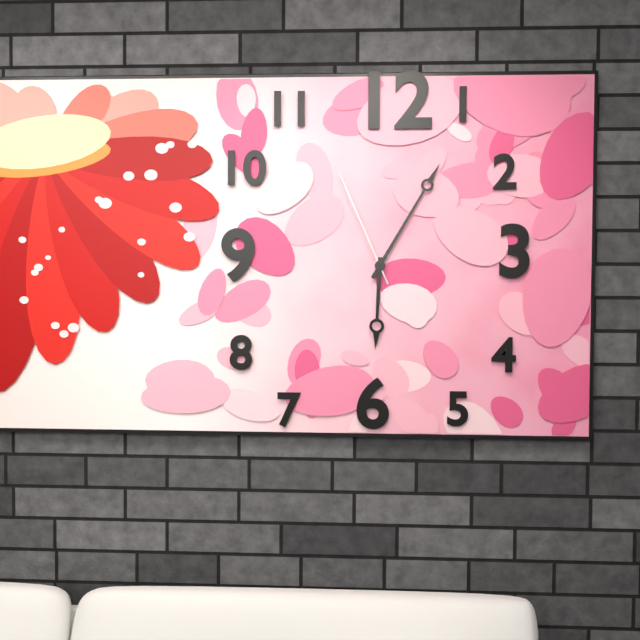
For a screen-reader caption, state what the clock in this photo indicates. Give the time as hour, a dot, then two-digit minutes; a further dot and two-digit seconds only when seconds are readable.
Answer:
6.05.56
